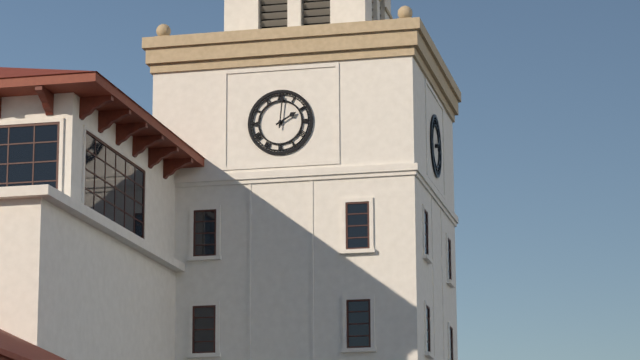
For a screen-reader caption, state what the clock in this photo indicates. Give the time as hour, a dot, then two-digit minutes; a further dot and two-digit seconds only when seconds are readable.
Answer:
2.01
